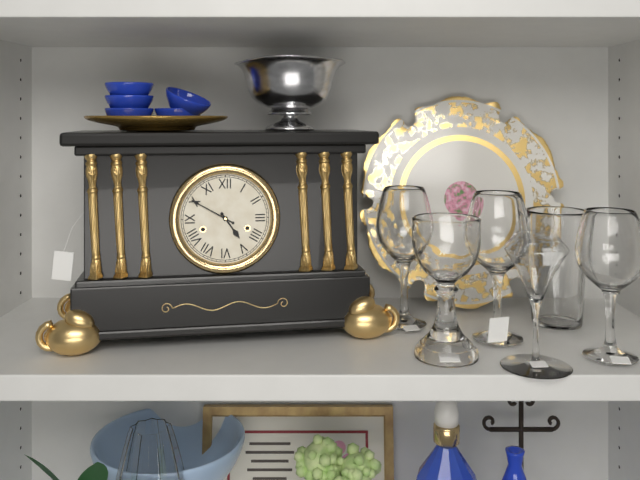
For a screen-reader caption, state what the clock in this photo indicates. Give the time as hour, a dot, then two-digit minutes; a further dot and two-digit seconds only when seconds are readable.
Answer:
4.50
